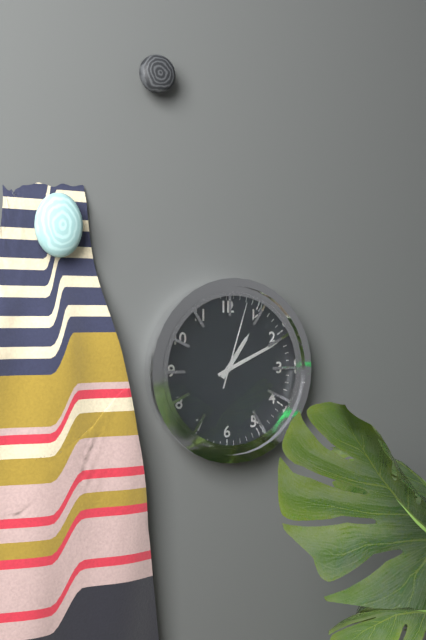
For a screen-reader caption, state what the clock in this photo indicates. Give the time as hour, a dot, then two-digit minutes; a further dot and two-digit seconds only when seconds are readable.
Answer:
1.11.03
